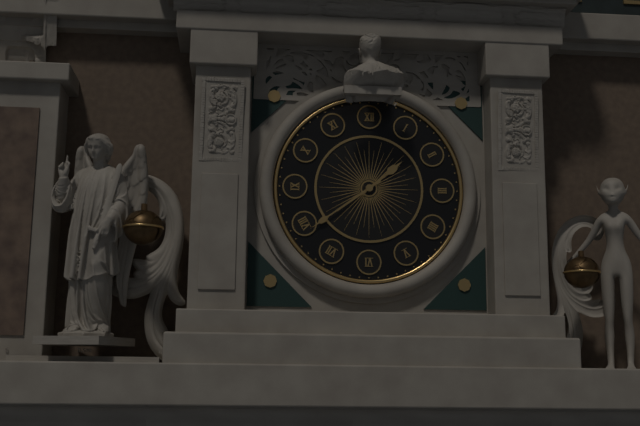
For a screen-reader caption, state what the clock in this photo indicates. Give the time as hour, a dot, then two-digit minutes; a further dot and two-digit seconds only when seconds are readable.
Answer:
1.39
